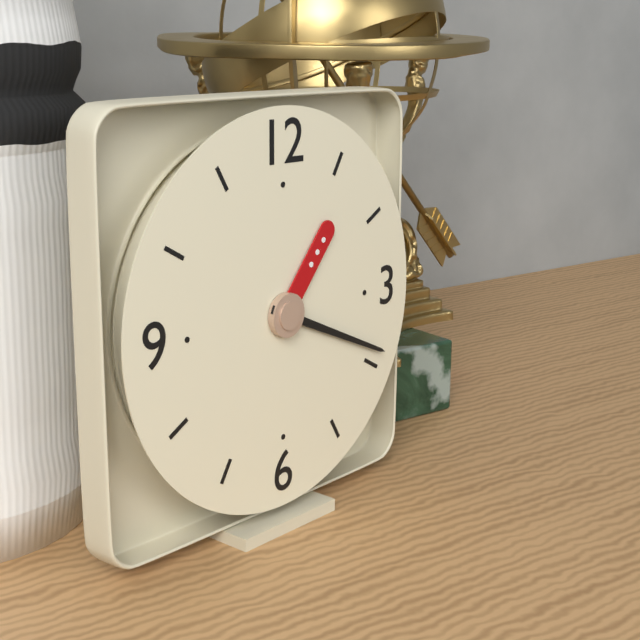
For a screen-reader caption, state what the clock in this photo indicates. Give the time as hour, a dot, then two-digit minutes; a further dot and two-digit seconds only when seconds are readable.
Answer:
1.19
